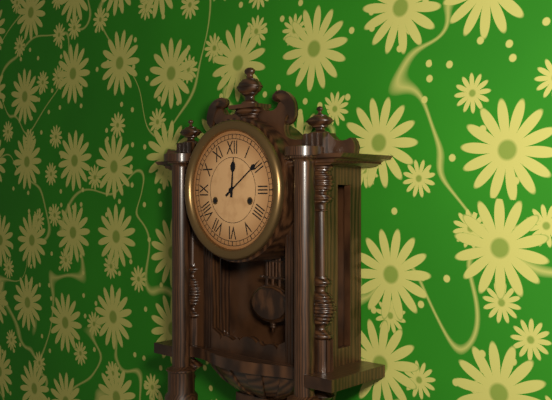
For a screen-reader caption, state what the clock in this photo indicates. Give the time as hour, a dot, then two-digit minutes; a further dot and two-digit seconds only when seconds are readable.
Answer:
12.09
